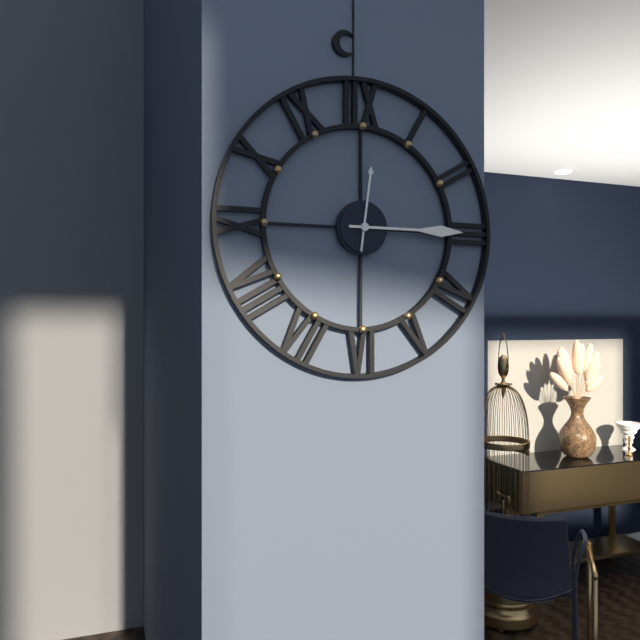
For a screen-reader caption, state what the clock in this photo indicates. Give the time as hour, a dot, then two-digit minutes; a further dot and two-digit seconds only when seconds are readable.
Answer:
12.15
